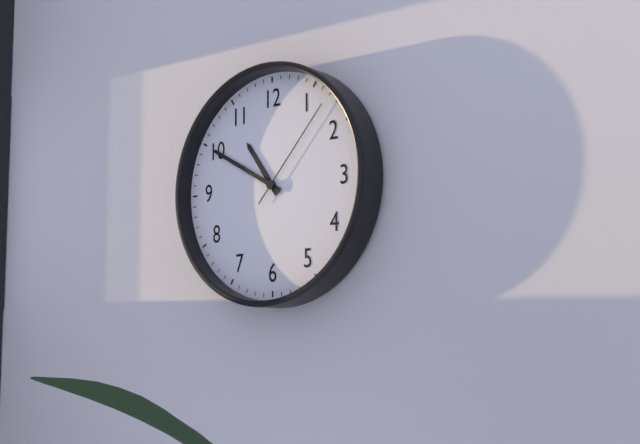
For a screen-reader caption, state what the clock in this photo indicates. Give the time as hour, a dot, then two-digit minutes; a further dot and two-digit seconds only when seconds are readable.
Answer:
10.50.07
